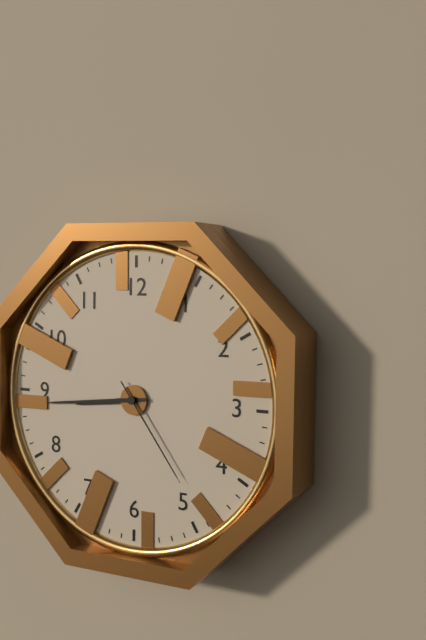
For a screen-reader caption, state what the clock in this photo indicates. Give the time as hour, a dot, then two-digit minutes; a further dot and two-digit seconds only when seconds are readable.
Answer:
8.44.24
